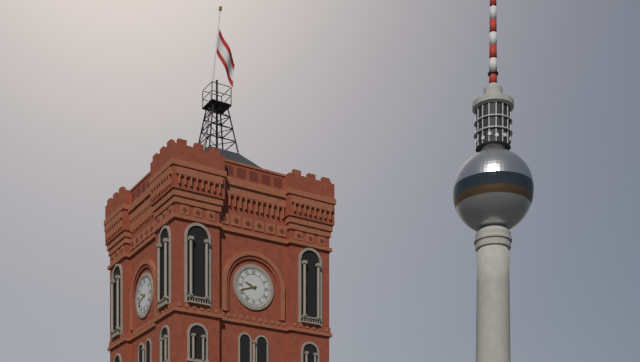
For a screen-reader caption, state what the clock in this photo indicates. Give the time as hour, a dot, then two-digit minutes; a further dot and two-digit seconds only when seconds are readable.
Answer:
9.42
